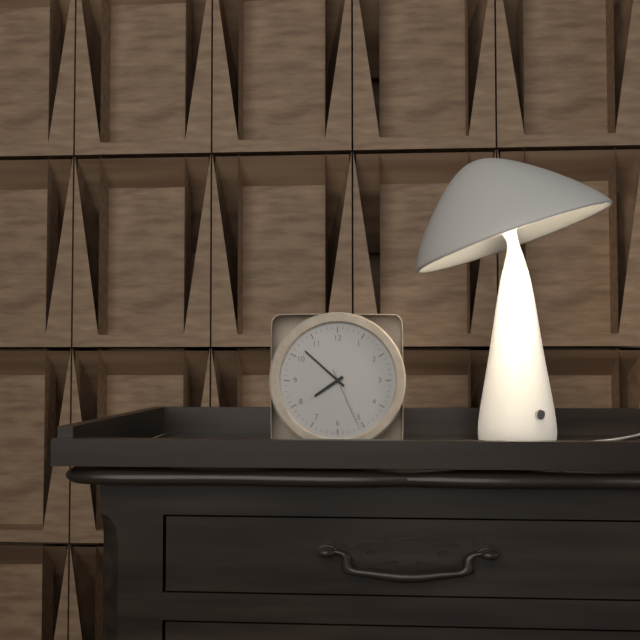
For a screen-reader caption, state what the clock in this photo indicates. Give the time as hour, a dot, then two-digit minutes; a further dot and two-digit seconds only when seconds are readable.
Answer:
7.52.26
